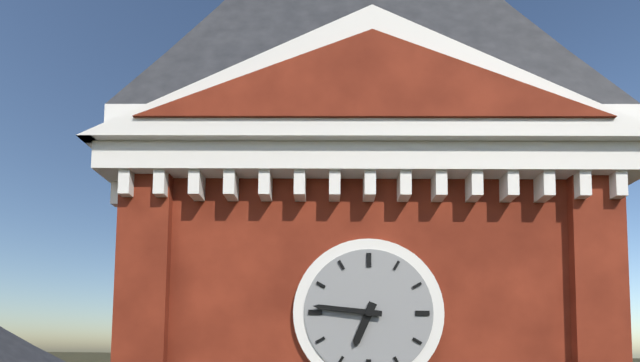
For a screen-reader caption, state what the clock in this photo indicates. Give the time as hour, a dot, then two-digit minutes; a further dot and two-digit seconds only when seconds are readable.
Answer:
6.46
